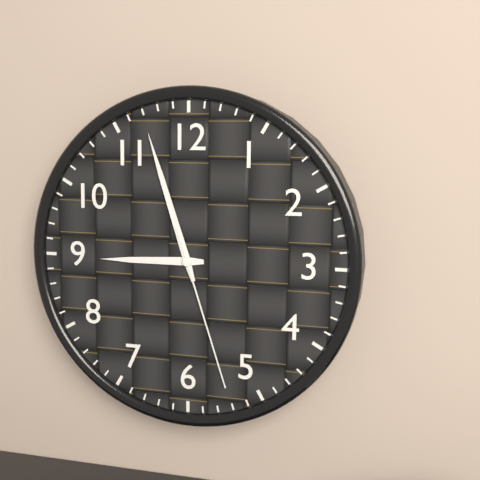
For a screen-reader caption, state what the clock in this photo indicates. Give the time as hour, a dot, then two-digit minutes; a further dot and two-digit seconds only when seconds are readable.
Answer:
8.57.27
